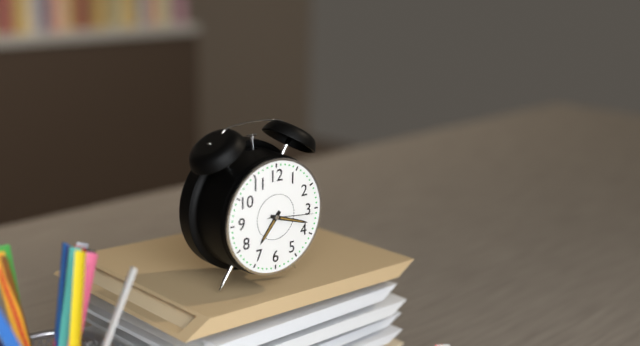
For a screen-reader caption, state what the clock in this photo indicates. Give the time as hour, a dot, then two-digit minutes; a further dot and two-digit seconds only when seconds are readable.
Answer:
7.18.16
